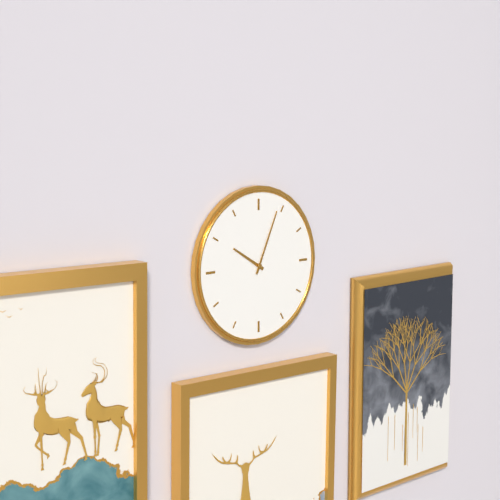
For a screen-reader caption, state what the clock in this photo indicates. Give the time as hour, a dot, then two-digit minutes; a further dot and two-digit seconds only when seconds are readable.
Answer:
10.04
